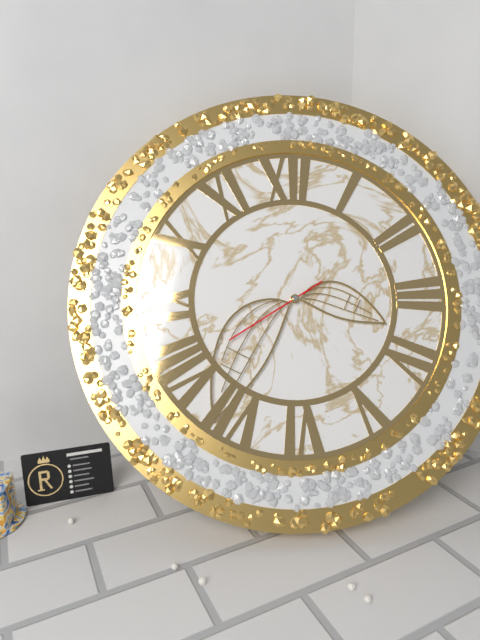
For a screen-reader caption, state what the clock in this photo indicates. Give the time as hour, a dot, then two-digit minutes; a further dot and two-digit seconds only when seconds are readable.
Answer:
3.36.40
